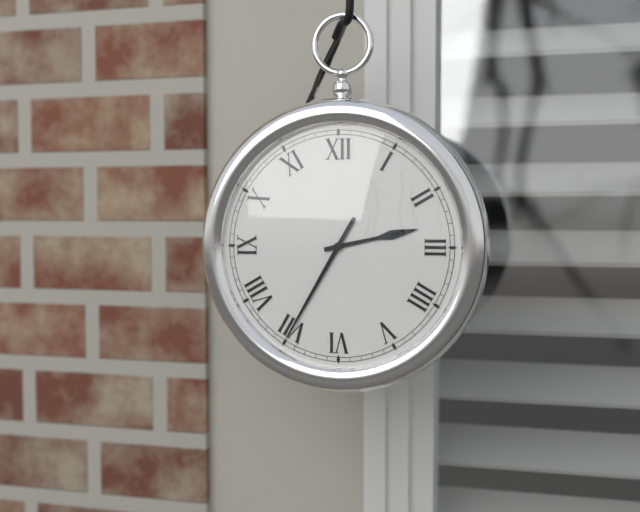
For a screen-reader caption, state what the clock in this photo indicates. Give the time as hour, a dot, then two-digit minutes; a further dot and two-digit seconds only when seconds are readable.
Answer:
2.35
